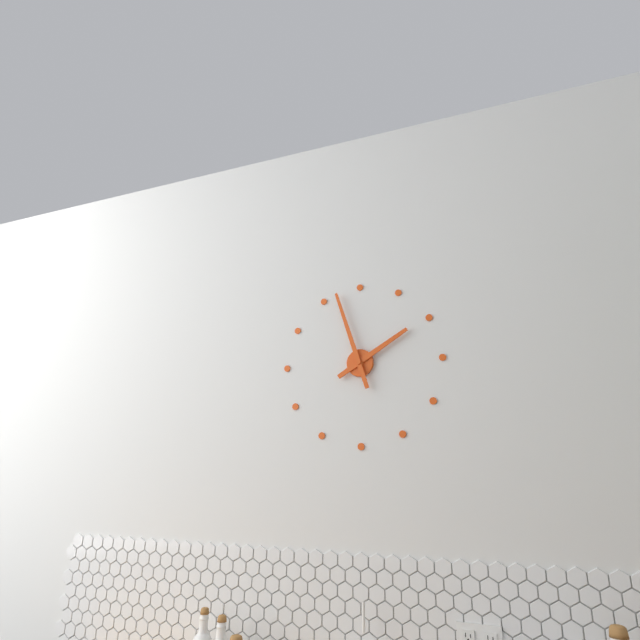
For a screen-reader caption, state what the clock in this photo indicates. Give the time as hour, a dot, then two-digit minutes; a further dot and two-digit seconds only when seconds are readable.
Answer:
1.57
